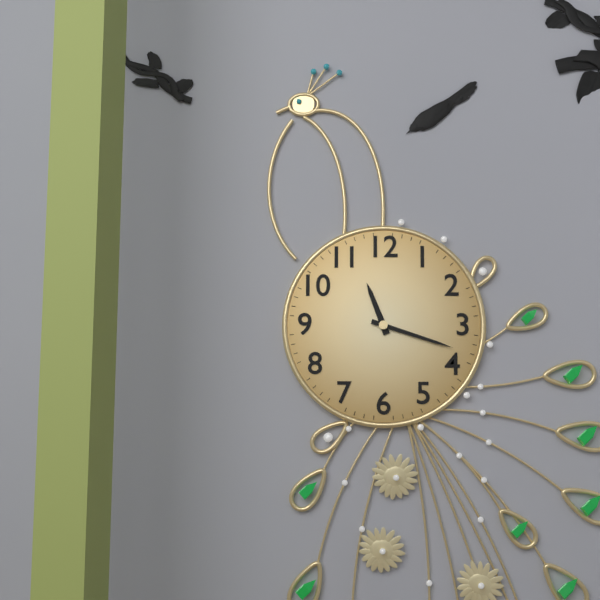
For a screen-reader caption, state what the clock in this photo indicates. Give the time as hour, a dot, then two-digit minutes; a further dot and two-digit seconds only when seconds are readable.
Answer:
11.18
